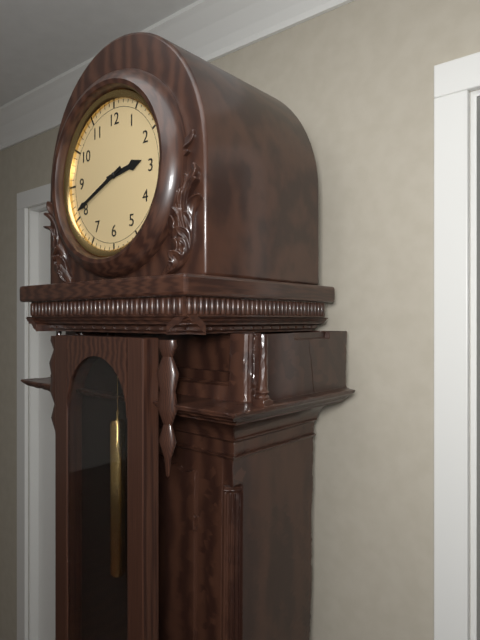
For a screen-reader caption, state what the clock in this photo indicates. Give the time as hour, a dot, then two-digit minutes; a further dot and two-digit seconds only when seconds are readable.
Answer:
2.41
